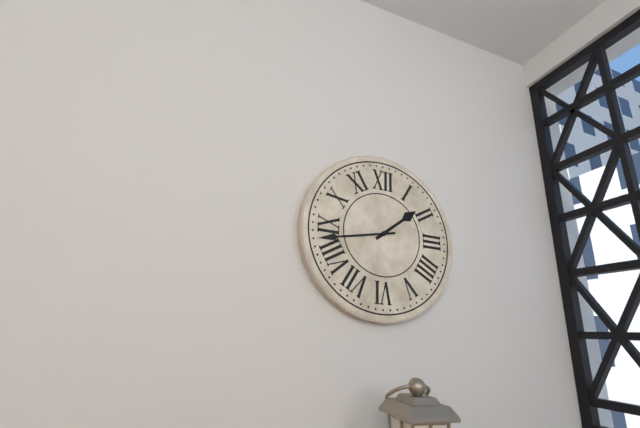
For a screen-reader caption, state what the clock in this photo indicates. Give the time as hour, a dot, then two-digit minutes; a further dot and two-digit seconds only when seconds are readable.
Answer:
1.43
